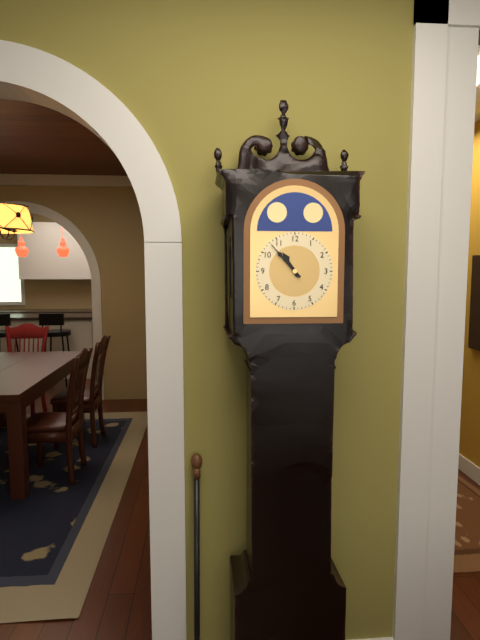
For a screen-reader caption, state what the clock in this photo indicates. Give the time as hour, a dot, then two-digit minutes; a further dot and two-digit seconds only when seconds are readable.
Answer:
10.53
